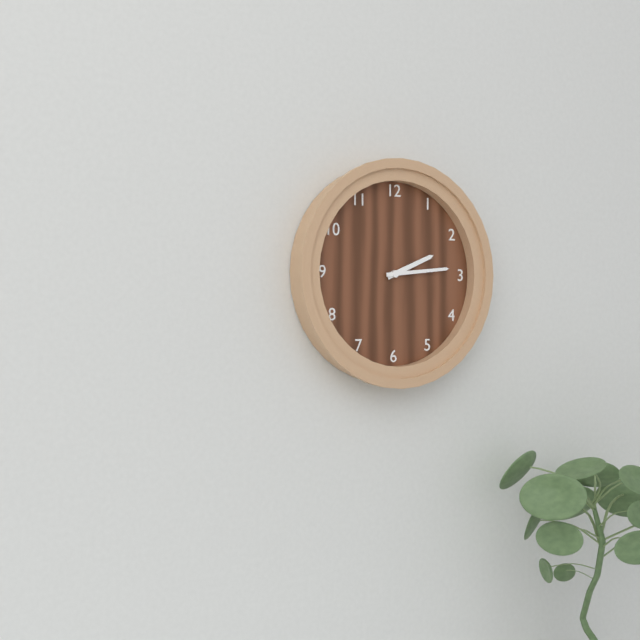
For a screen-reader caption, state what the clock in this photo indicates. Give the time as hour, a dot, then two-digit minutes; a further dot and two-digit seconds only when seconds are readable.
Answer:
2.14
